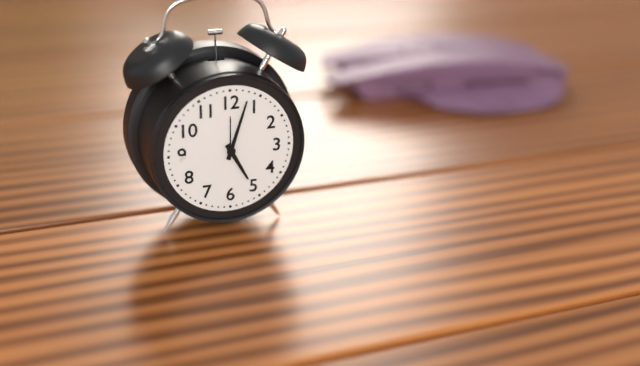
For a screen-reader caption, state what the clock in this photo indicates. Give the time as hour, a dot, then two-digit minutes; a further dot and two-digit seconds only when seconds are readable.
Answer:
5.03
